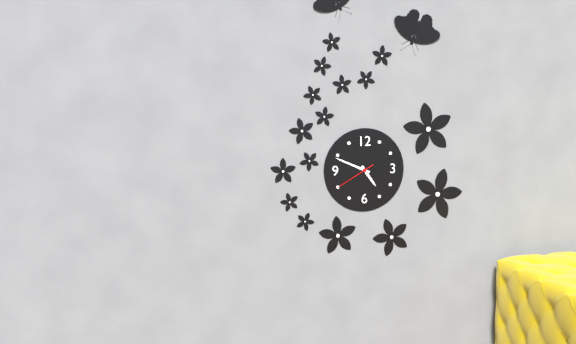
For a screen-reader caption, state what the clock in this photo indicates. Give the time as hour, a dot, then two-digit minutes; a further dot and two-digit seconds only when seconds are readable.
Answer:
4.49
